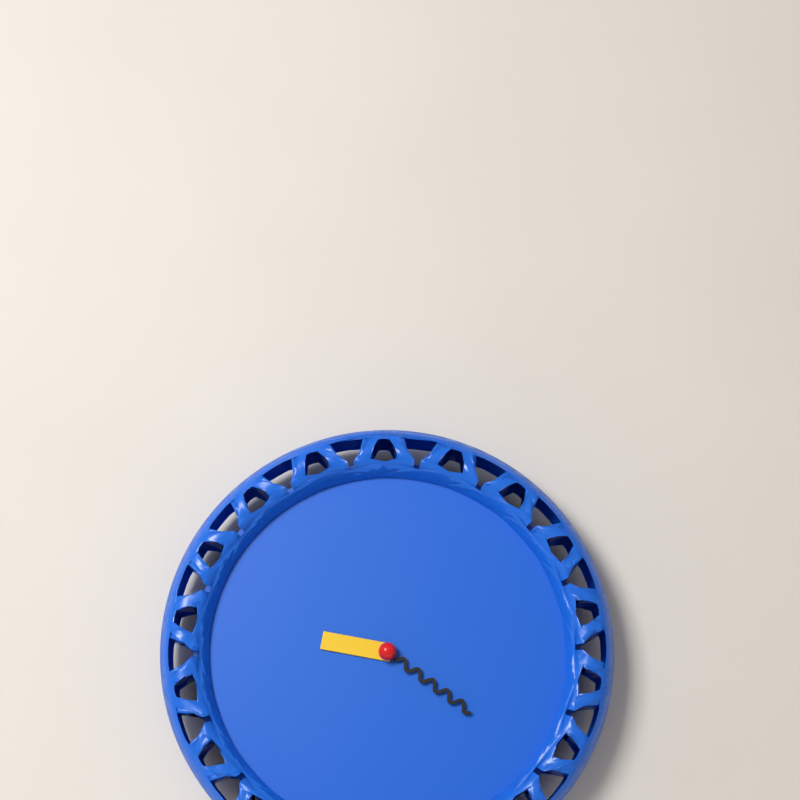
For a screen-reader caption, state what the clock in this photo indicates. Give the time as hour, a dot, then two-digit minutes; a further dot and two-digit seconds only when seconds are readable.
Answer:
9.21
